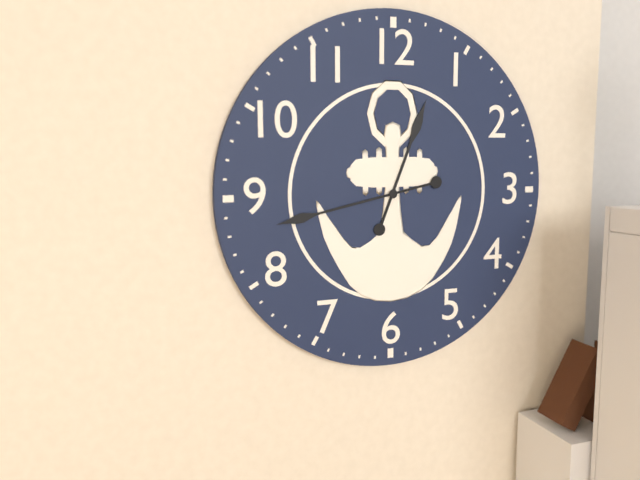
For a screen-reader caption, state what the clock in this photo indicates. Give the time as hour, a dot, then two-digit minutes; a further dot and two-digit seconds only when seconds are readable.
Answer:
12.43
